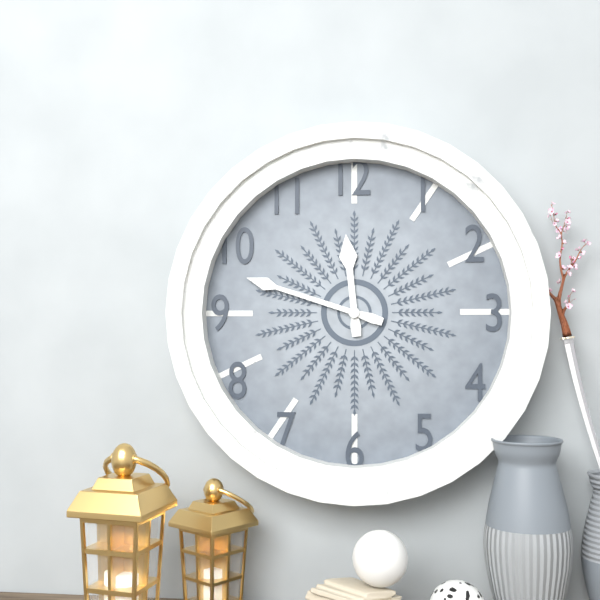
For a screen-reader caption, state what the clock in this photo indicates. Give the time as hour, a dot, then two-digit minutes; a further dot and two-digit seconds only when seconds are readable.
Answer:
11.48
